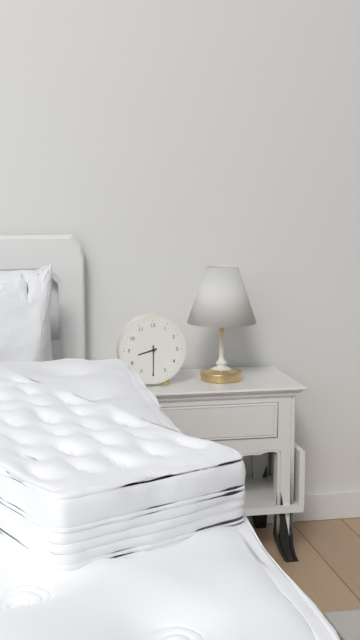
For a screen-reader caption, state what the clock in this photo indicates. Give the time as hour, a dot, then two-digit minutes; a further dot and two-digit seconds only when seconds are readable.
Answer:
8.30
